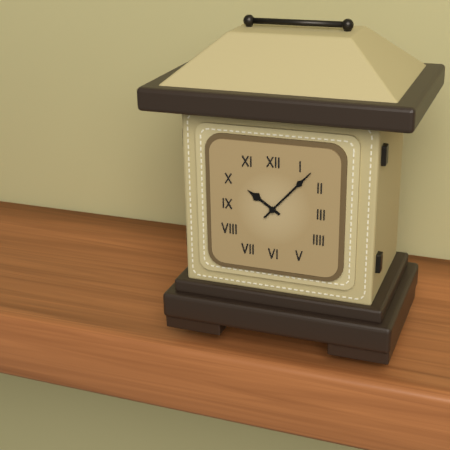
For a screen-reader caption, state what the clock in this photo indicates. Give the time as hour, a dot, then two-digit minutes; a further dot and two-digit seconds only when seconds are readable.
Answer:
10.07
